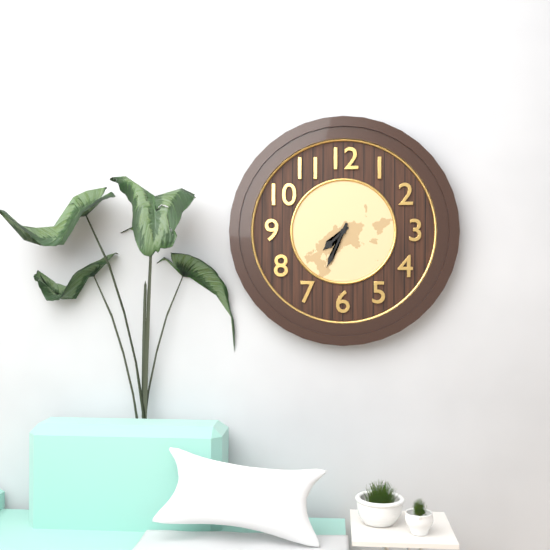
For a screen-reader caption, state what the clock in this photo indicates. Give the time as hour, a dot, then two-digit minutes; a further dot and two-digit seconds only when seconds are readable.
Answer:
7.34
